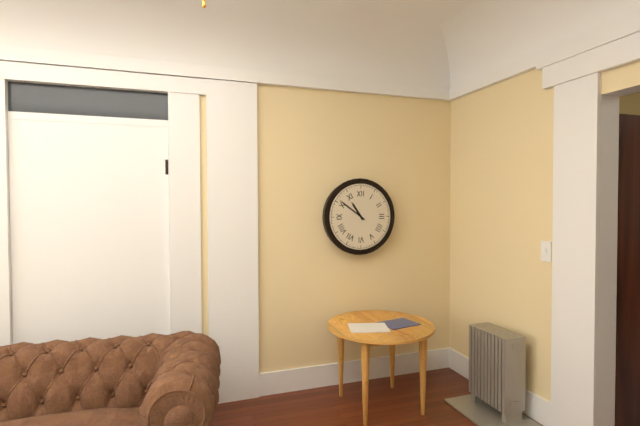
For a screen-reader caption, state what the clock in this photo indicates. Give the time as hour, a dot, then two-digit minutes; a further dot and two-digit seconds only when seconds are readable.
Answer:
10.51
